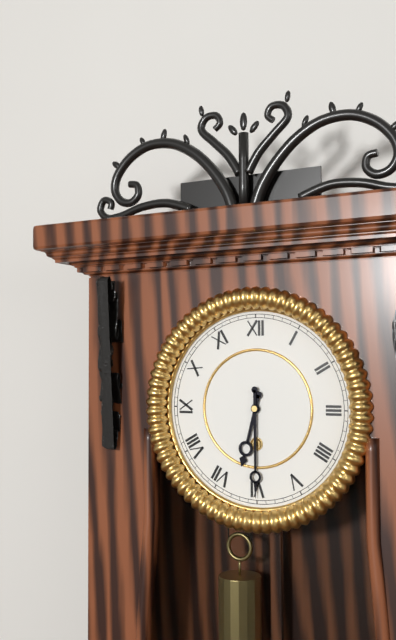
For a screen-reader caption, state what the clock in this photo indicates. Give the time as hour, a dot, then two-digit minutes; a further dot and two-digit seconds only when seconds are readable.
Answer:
6.30
